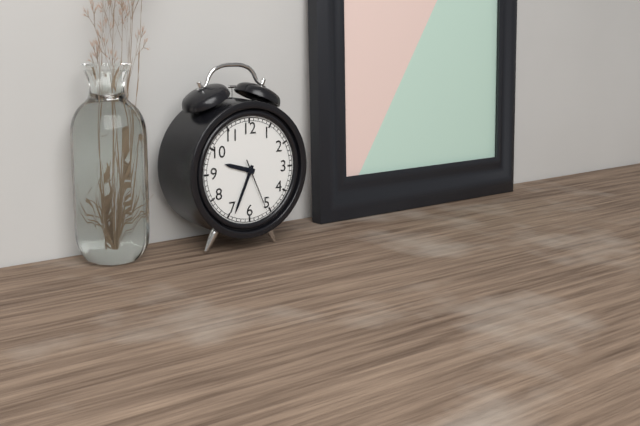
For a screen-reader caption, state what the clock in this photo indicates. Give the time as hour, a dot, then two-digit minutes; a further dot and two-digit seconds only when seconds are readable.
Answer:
9.34.26
